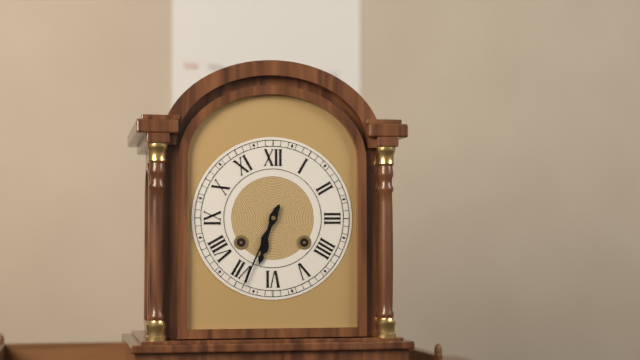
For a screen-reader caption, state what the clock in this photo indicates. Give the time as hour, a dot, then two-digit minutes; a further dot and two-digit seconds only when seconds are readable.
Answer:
6.34
